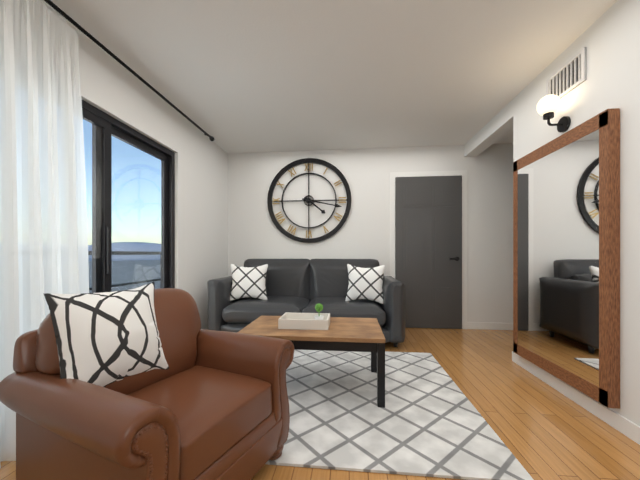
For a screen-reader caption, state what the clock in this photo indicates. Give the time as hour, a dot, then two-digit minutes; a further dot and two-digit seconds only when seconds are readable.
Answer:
4.17
